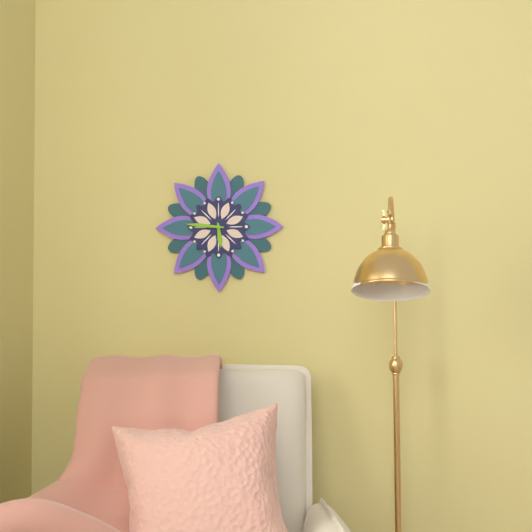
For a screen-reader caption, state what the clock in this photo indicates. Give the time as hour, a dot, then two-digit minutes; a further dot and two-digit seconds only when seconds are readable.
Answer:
5.46
